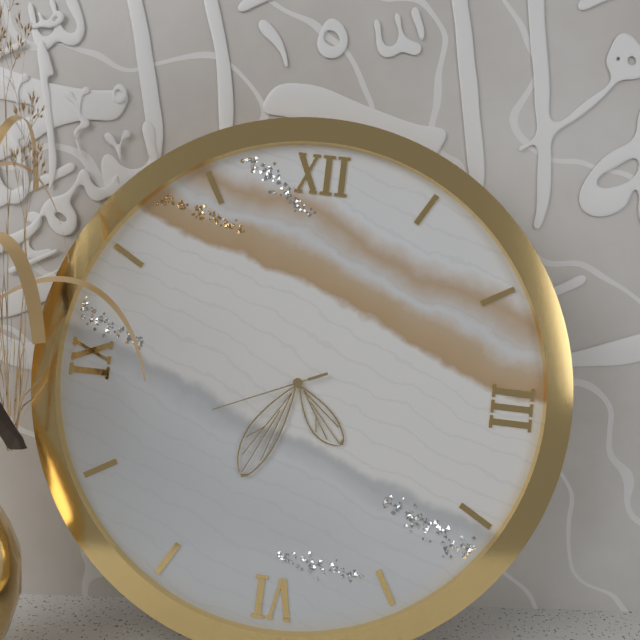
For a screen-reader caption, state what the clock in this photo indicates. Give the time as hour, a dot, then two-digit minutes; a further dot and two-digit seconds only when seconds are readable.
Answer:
4.34.41
